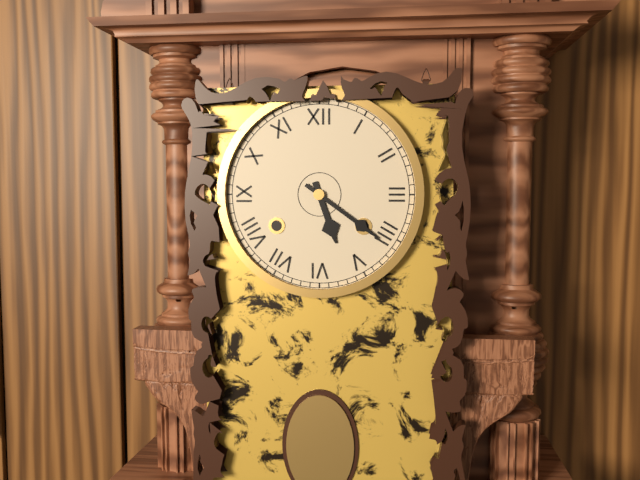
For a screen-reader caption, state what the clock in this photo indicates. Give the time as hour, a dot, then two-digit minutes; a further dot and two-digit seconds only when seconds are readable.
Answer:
5.21
